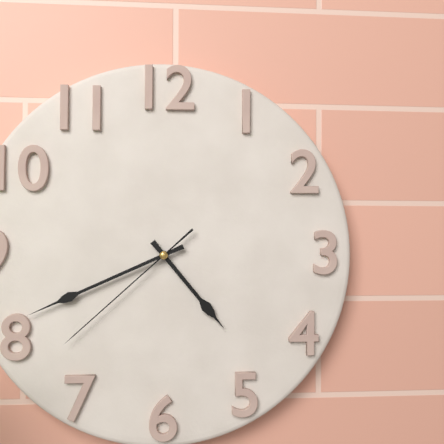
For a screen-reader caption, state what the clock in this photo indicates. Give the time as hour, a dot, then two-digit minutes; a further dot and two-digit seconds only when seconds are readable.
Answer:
4.41.38
